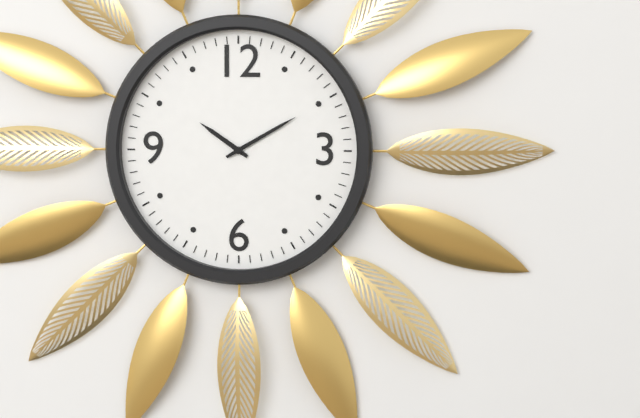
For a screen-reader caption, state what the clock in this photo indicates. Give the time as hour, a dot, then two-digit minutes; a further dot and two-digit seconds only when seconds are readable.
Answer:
10.10
